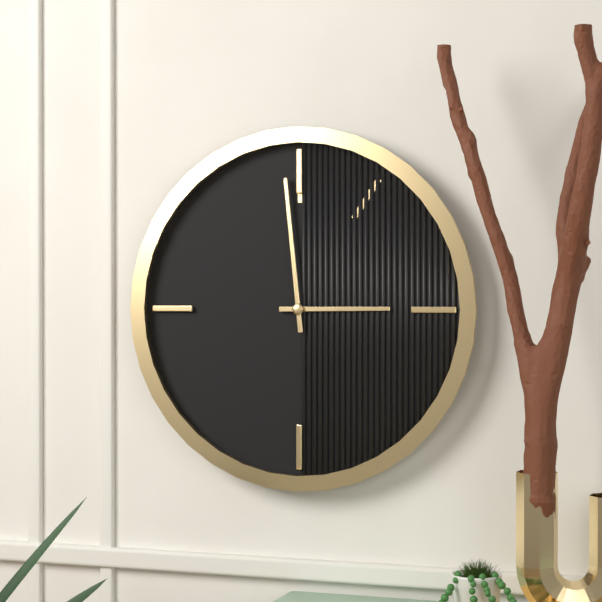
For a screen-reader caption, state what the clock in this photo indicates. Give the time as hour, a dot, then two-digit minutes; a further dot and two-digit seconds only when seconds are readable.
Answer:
2.59
